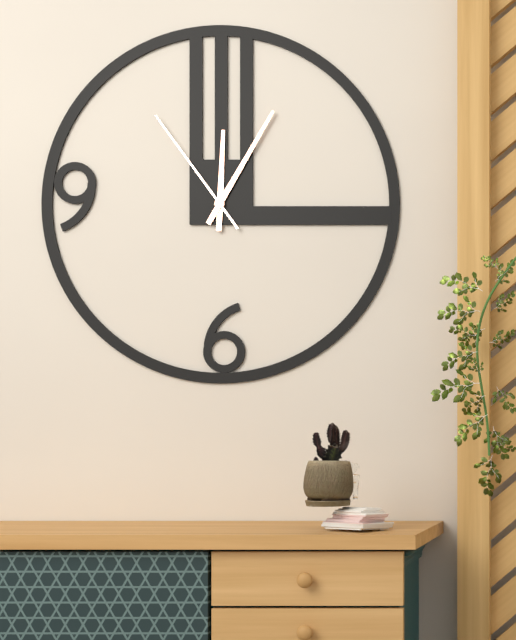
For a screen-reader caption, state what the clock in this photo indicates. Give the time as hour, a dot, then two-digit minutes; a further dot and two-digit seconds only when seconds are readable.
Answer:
12.05.54
